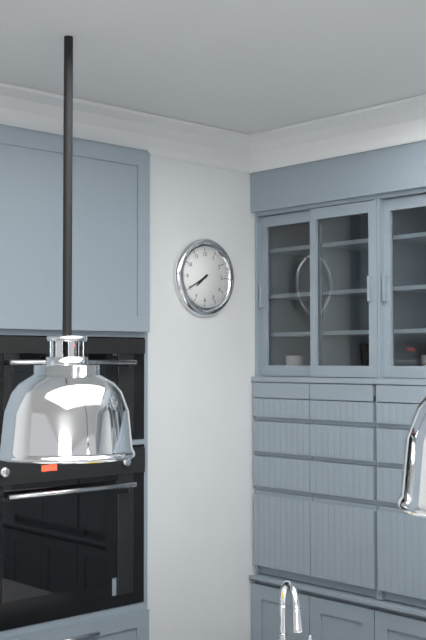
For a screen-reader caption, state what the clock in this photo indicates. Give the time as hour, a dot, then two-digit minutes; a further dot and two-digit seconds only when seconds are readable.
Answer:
7.40
